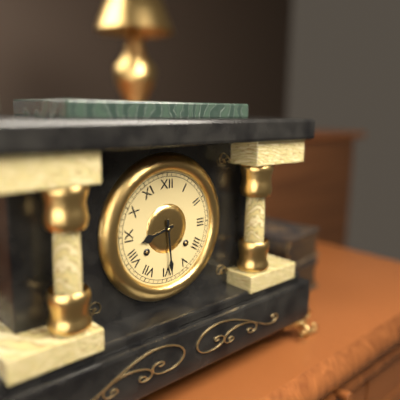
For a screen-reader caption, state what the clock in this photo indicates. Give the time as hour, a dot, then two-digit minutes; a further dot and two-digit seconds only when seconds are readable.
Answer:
8.29
